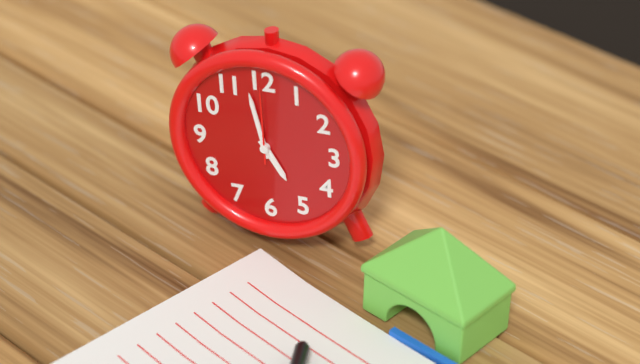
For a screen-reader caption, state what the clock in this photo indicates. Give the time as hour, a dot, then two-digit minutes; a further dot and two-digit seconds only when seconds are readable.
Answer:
4.58.00
